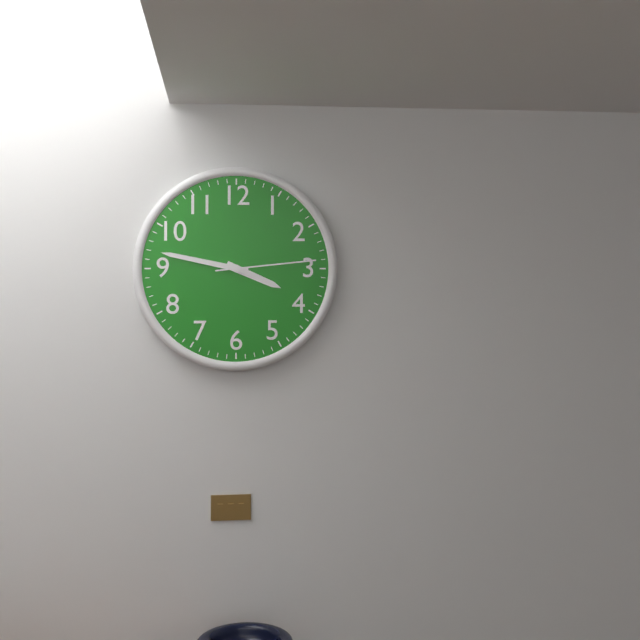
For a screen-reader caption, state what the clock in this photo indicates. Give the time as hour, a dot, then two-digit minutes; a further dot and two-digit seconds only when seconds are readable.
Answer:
3.47.14
